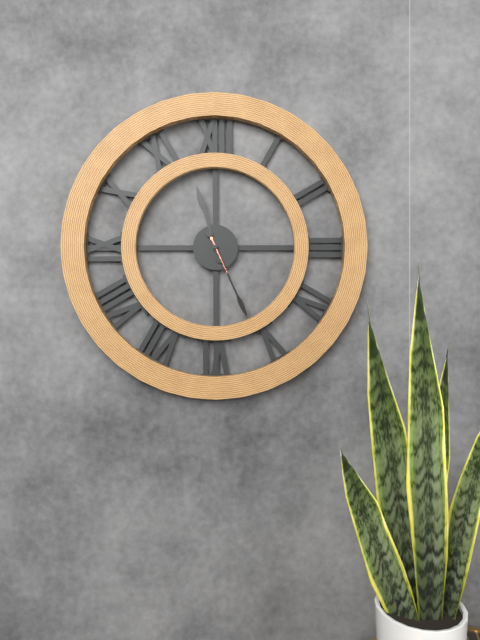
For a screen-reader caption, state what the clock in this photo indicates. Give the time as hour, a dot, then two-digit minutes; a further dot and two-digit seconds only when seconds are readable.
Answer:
11.26
